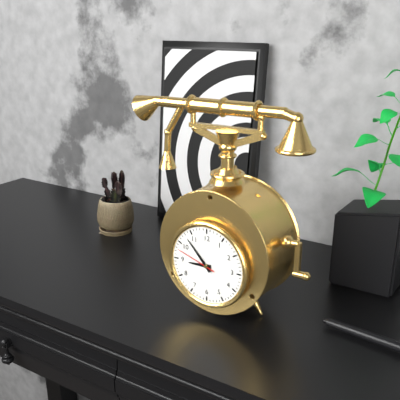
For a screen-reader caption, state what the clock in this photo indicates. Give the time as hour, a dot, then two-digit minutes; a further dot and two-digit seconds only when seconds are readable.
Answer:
8.53
